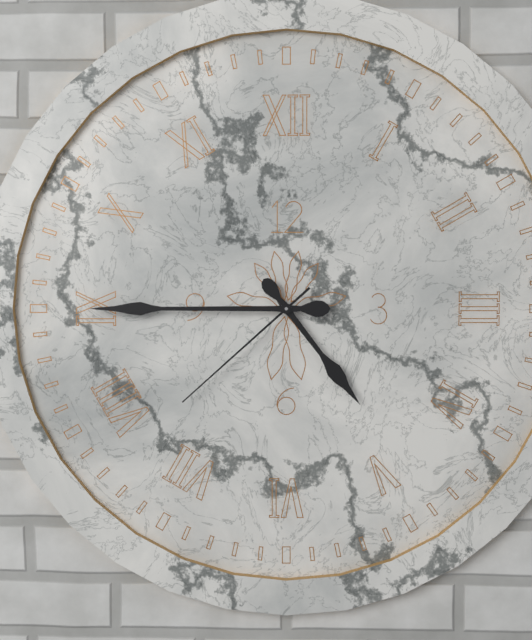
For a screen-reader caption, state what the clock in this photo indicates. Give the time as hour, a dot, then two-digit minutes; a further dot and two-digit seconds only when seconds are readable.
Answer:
4.45.38
